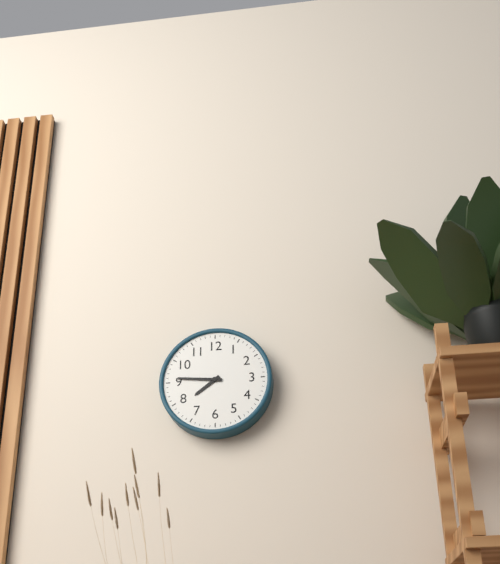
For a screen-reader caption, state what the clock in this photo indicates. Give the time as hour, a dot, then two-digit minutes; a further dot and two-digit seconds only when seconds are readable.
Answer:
7.46
